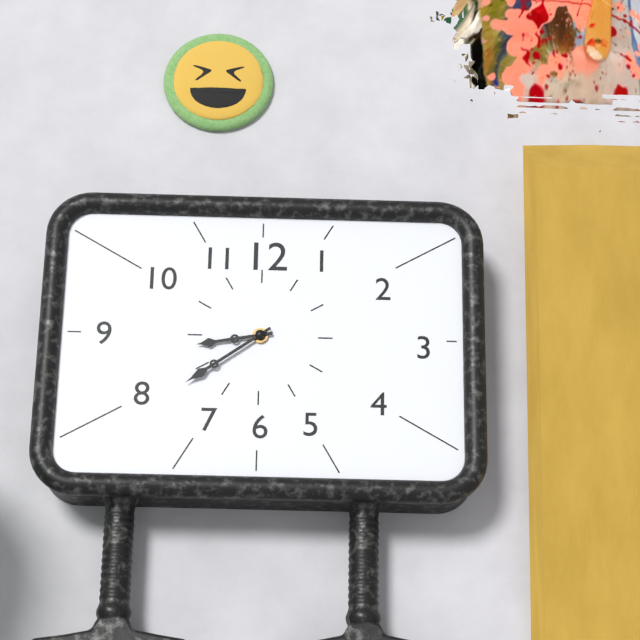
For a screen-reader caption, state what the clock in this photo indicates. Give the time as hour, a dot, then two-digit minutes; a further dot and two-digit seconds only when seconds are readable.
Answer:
8.39
